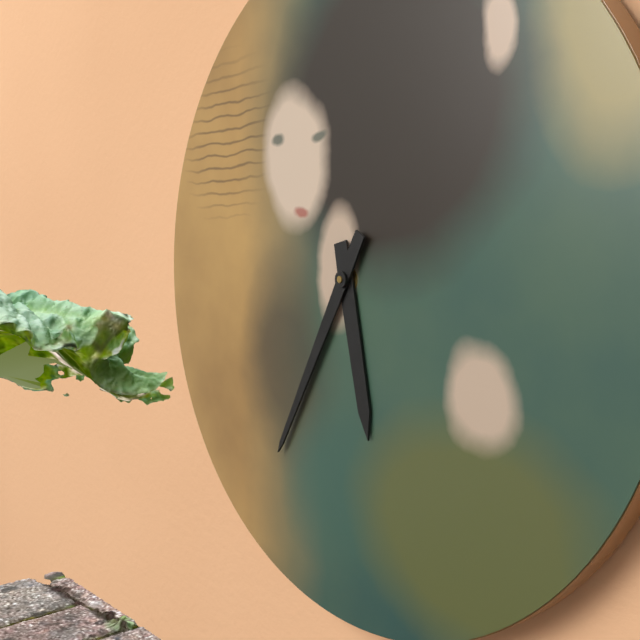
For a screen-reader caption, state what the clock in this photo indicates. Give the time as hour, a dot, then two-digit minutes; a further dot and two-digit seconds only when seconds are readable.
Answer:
5.35
